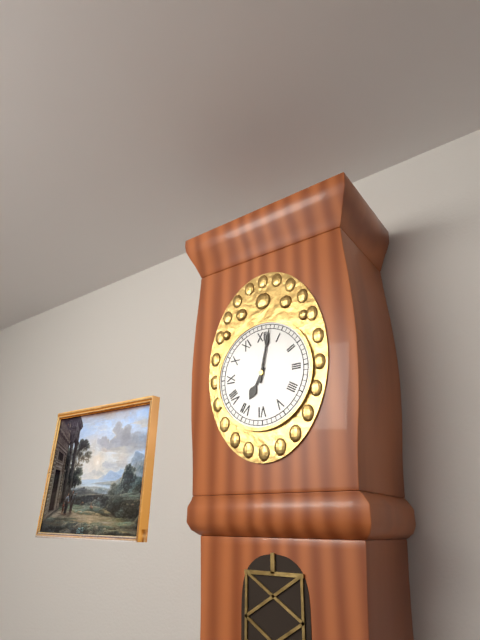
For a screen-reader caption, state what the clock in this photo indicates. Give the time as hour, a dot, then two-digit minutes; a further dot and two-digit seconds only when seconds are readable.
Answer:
7.02
